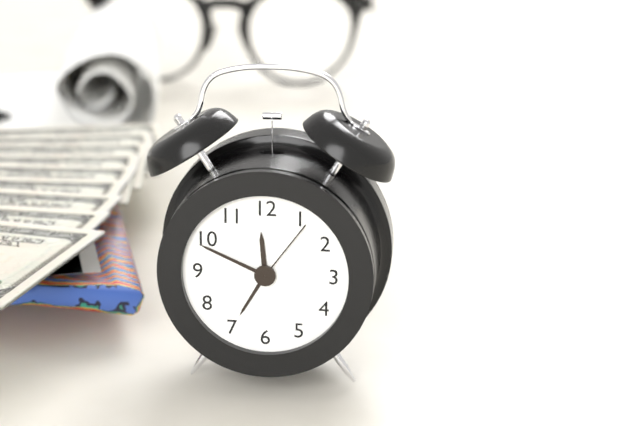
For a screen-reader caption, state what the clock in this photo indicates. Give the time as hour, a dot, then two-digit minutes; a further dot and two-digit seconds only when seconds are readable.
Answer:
11.49.06
